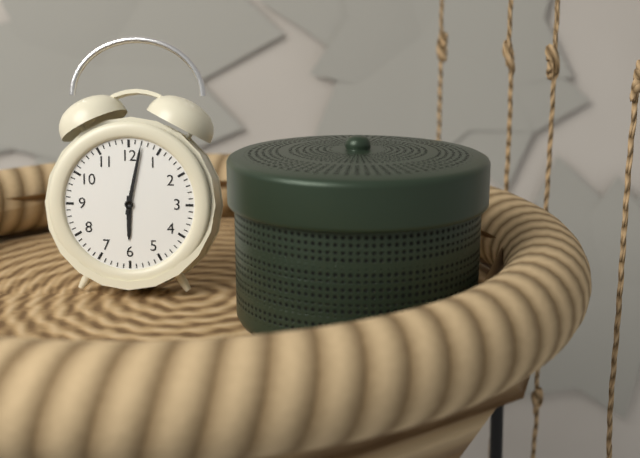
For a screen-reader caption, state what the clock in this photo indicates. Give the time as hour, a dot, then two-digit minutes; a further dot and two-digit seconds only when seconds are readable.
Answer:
6.02
